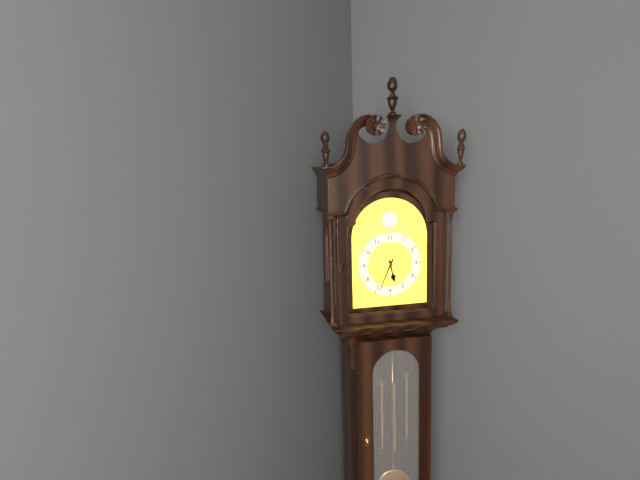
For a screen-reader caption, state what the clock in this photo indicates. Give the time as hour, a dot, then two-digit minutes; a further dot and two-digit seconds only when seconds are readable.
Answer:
5.34
